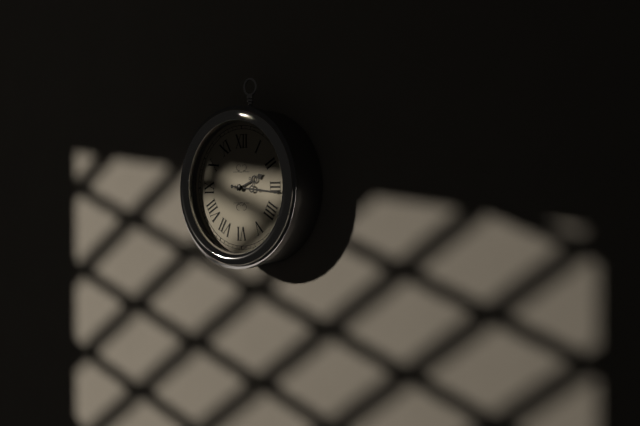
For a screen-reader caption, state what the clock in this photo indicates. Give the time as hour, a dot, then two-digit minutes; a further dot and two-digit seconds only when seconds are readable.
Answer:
2.16
